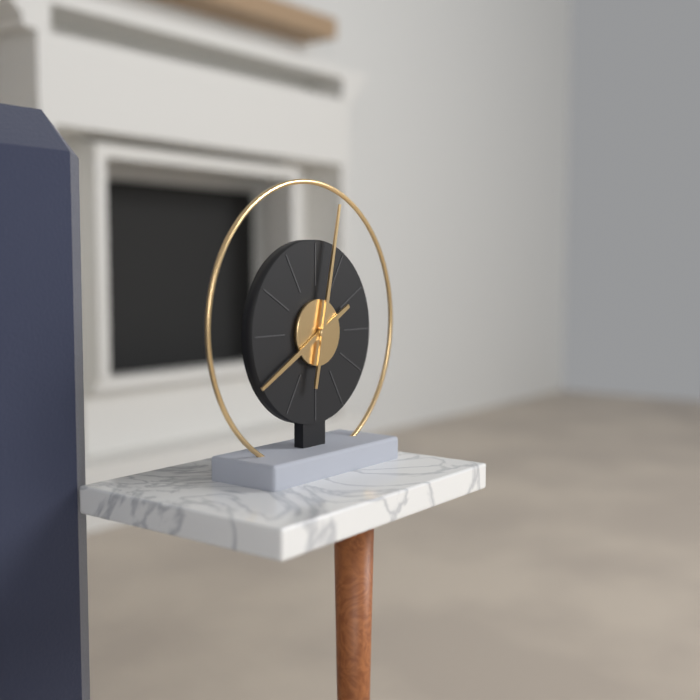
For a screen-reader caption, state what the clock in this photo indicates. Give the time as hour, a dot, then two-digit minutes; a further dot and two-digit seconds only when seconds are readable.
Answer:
8.02
